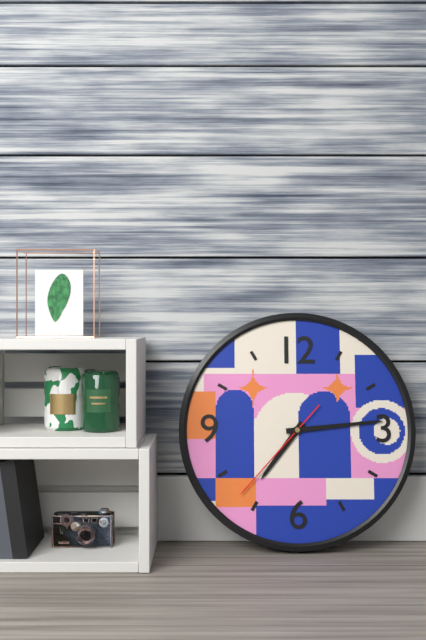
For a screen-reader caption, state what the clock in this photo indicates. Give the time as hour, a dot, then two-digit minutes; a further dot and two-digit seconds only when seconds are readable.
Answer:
7.14.37
